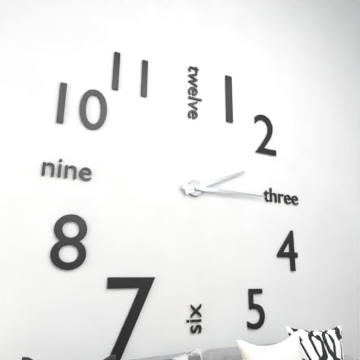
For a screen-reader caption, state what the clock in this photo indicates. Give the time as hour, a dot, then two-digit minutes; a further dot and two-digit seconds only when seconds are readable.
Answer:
2.15
